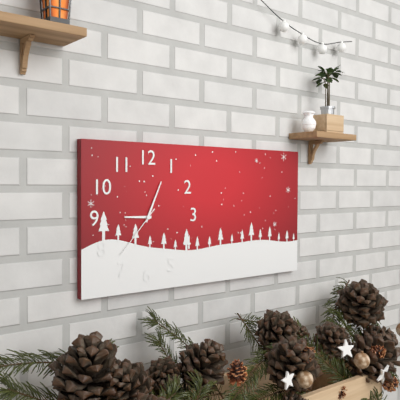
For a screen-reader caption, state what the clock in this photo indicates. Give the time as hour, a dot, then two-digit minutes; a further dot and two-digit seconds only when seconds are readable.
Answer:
9.04.37
